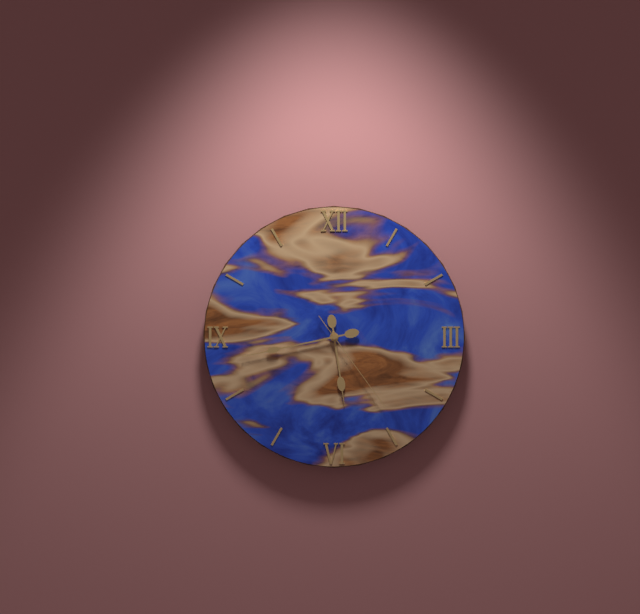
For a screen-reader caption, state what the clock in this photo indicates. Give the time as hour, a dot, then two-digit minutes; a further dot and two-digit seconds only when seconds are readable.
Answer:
5.43.24
